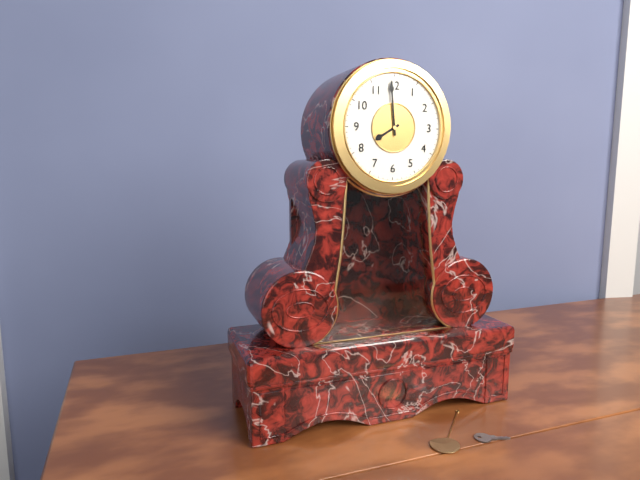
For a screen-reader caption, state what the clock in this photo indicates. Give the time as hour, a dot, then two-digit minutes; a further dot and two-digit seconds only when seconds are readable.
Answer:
7.59
